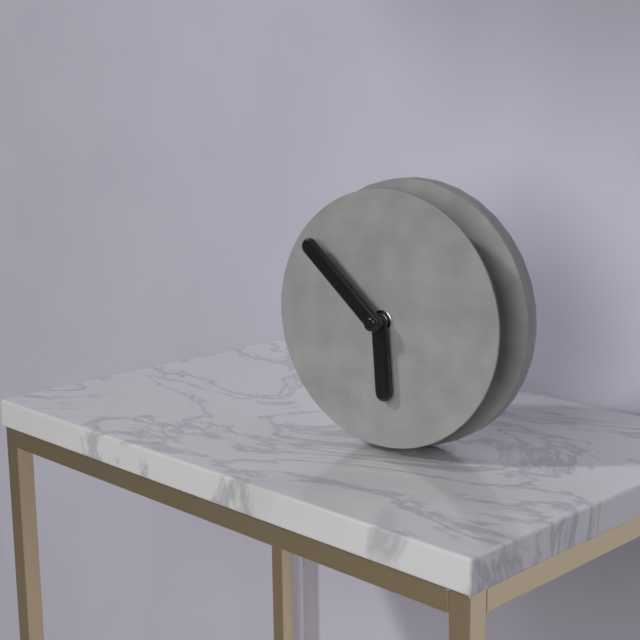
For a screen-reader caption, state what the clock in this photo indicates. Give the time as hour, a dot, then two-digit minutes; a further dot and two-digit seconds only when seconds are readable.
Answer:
5.52
